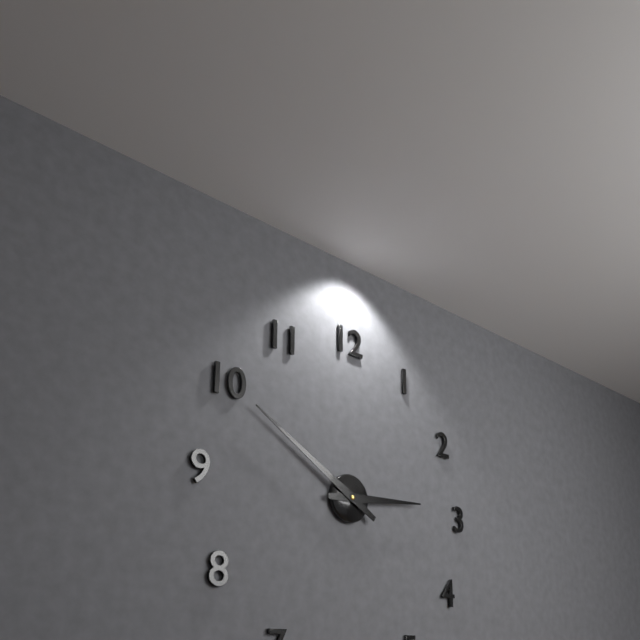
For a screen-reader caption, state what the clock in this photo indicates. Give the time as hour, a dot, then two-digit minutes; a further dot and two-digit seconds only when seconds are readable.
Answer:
2.50
